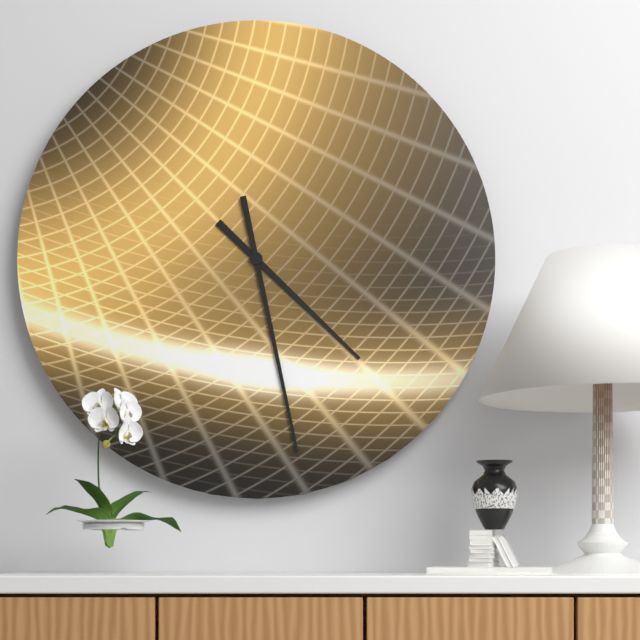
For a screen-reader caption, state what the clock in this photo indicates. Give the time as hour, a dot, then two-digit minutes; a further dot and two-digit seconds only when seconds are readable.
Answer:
4.28
